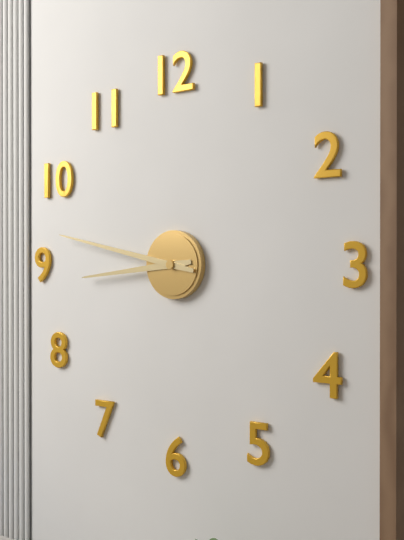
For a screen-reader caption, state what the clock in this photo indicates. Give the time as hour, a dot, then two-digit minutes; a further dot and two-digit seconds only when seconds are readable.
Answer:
8.47
